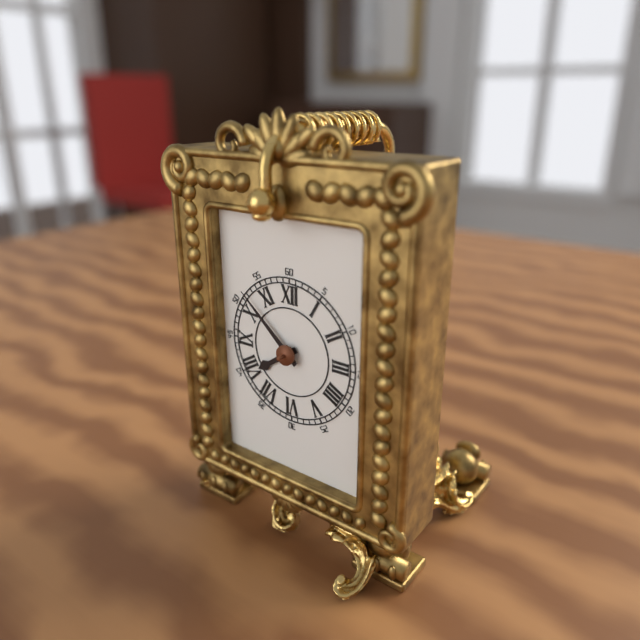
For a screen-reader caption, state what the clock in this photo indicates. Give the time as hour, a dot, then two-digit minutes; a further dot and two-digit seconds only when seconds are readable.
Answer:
7.52
